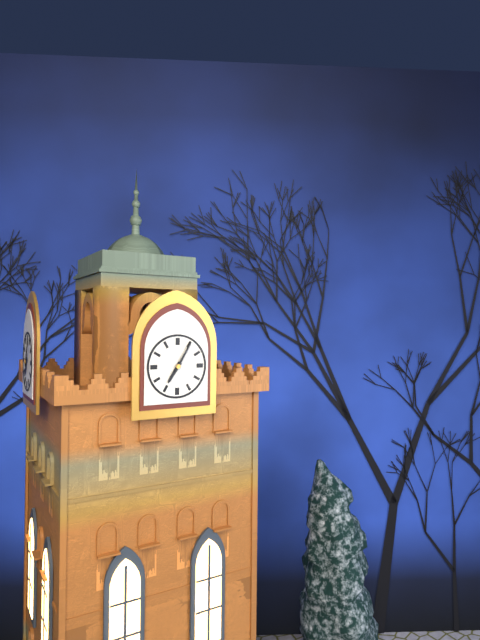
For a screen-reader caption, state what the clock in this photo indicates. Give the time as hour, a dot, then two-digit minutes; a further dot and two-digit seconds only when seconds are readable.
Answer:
7.05
